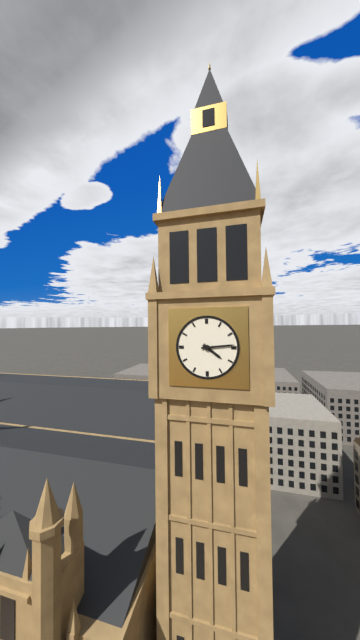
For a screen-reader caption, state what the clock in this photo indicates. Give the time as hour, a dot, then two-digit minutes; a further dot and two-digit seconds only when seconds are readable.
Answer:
4.14
